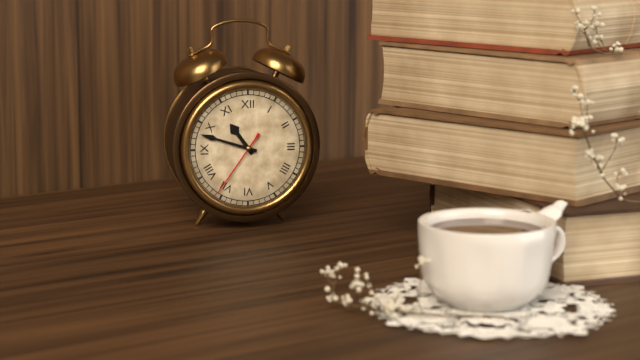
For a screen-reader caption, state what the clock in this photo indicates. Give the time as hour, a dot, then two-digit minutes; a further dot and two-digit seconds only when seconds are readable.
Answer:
10.48.36
